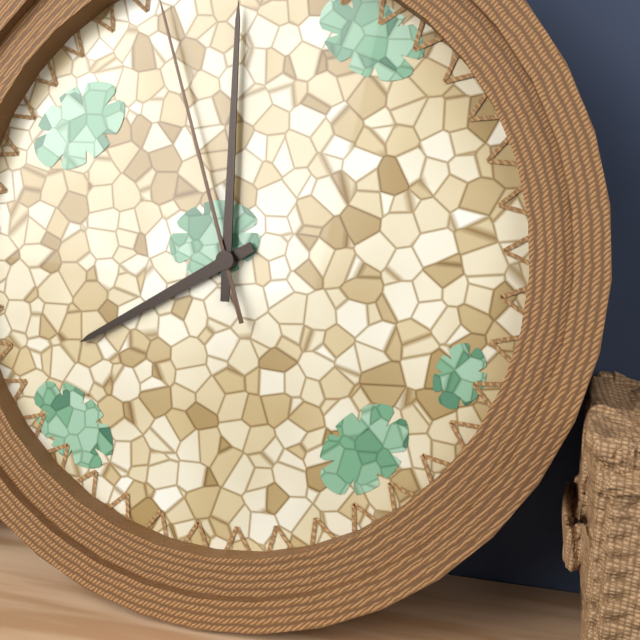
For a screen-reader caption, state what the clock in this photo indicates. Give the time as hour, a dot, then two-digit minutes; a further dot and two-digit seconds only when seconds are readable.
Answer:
8.00
